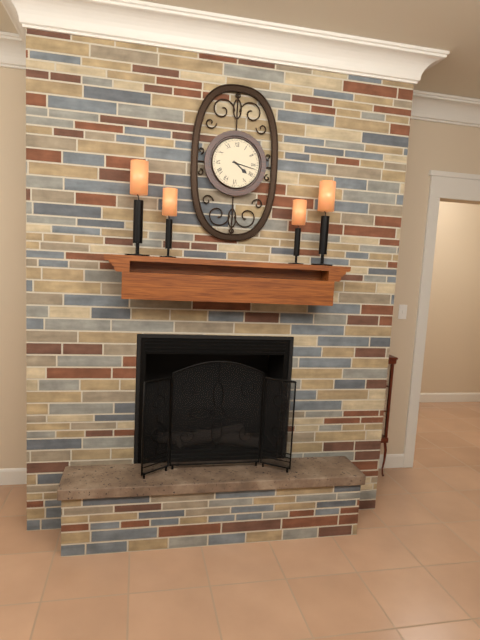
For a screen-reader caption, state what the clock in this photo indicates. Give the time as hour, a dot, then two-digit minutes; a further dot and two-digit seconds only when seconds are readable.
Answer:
4.17
